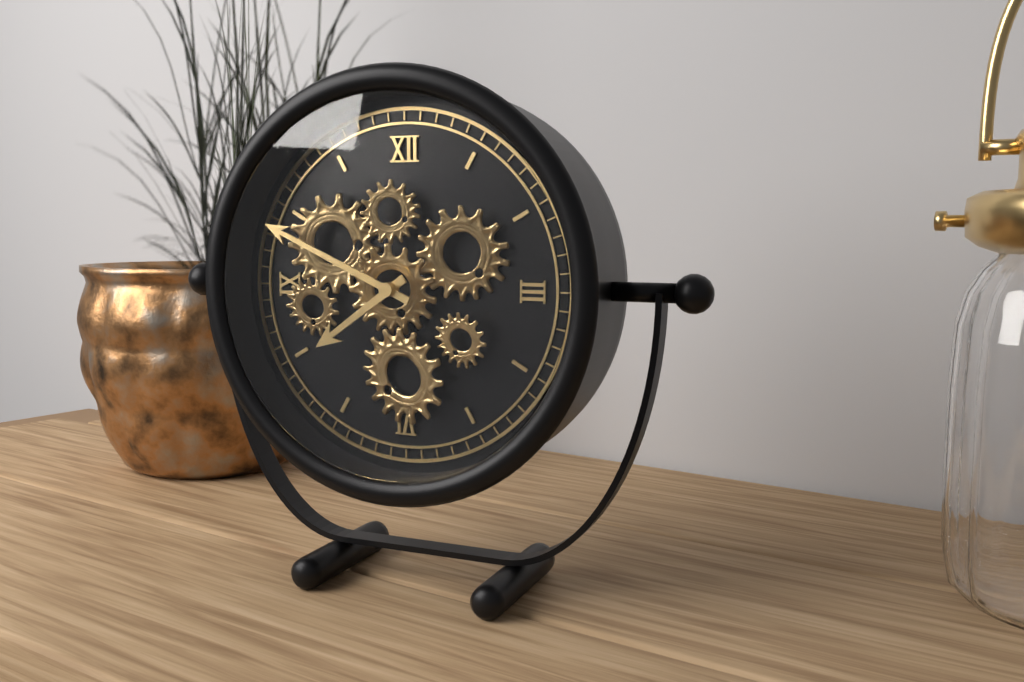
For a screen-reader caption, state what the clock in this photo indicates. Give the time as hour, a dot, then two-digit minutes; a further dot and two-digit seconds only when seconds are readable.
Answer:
7.49
